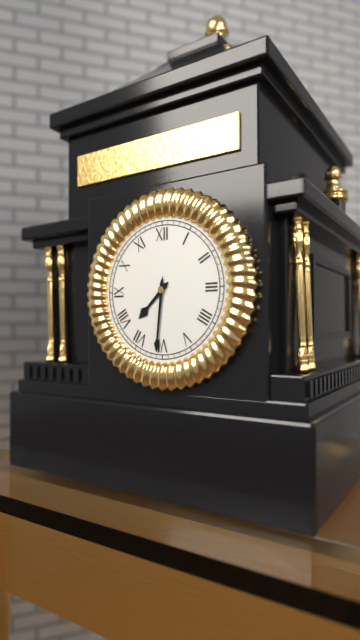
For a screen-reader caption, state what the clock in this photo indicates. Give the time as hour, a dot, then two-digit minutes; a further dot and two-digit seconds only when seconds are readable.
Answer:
7.31
